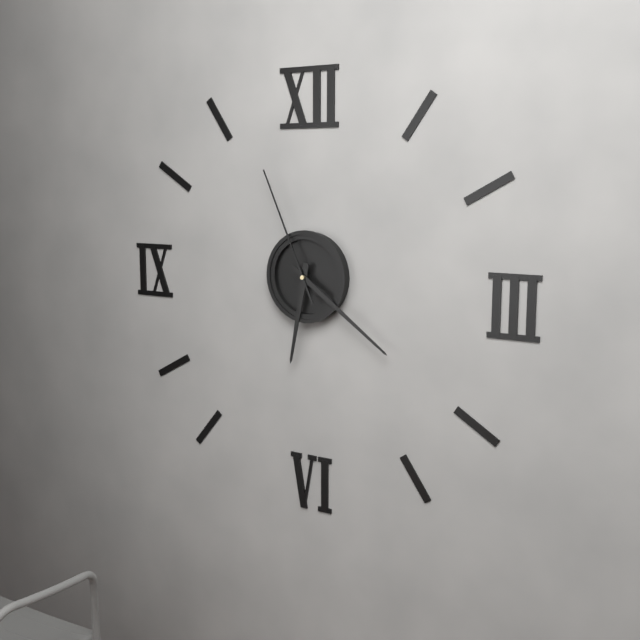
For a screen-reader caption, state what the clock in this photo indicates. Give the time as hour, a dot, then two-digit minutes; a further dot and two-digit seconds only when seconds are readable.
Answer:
6.21.56
